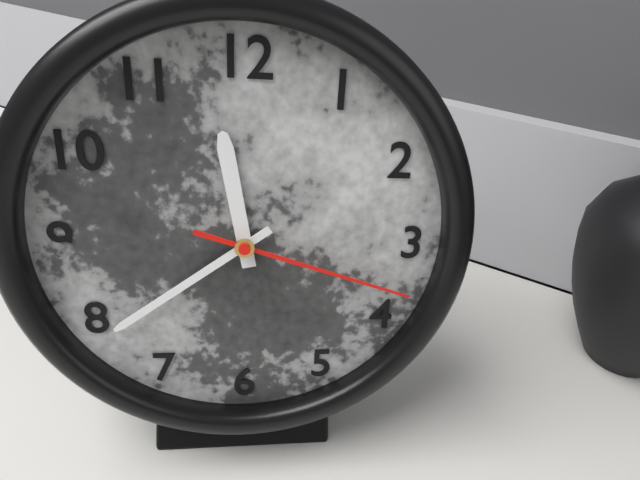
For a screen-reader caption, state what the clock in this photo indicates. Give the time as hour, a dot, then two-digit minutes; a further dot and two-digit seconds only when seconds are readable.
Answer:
11.39.18
